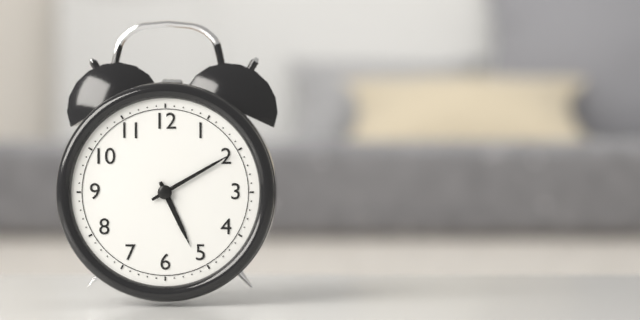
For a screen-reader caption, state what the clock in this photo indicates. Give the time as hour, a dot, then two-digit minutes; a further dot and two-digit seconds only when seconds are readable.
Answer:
5.10
